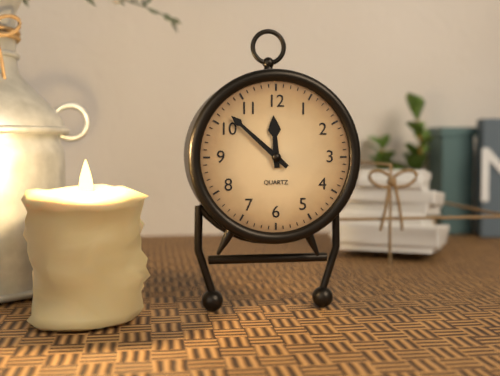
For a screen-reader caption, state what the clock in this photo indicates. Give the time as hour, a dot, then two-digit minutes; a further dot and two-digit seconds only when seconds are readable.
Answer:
11.52
